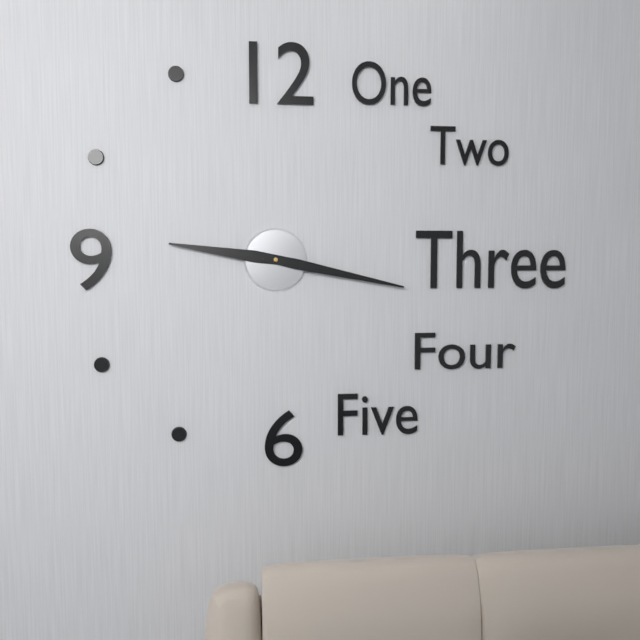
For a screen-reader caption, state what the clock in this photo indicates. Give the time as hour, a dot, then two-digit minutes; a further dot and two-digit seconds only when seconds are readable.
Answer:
9.17
